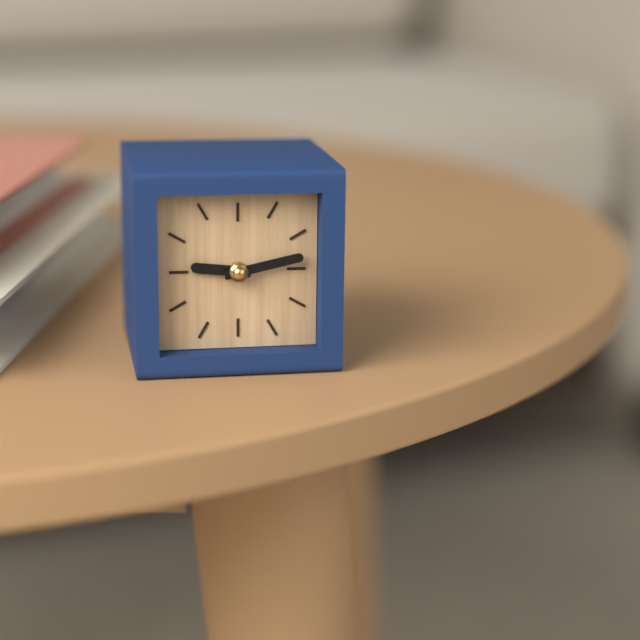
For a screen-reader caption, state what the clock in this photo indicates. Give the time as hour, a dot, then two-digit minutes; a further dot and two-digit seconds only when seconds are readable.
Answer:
9.13
